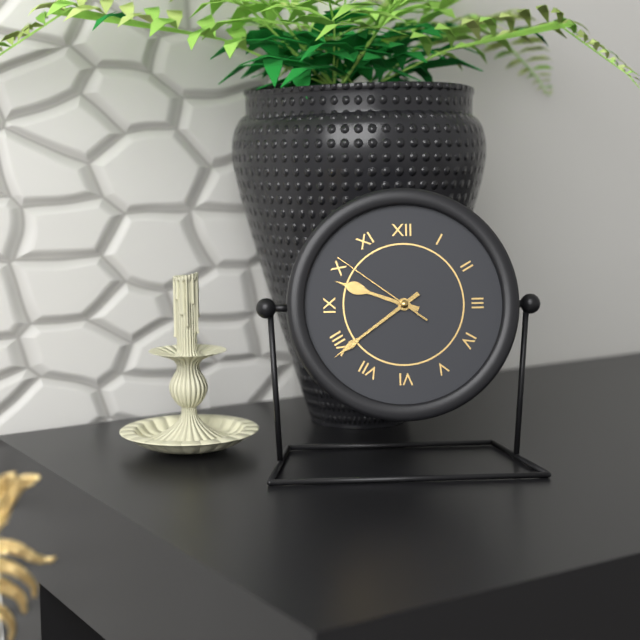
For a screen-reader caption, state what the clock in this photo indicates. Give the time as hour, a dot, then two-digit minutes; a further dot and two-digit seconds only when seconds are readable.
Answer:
9.39.51
